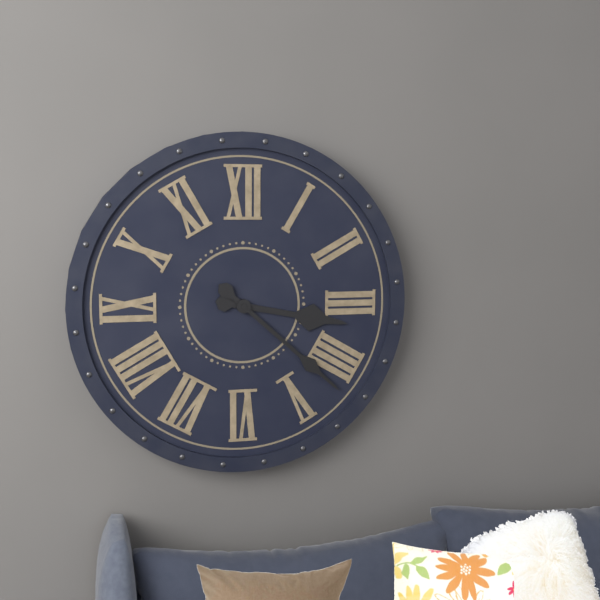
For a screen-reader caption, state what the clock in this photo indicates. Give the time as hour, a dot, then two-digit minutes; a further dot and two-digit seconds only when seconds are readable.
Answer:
3.22
